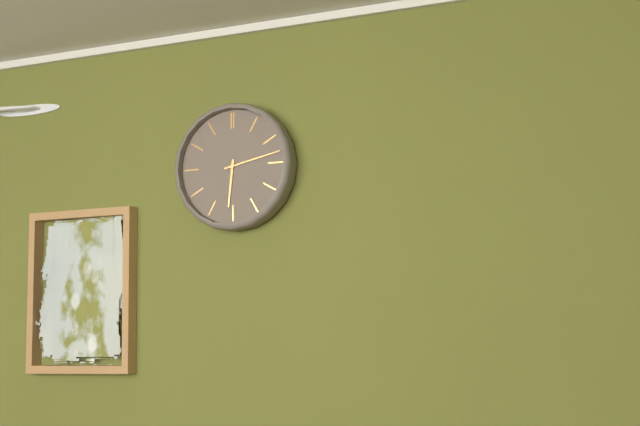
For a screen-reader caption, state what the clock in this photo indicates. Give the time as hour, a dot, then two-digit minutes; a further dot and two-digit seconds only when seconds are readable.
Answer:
6.13
